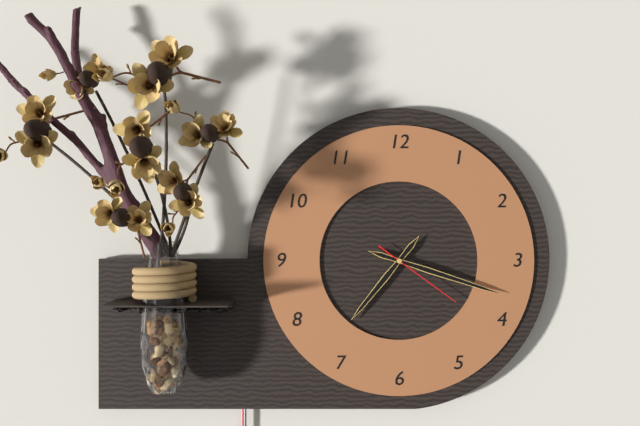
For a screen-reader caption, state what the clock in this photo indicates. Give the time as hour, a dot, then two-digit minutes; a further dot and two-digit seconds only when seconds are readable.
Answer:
7.18.21
